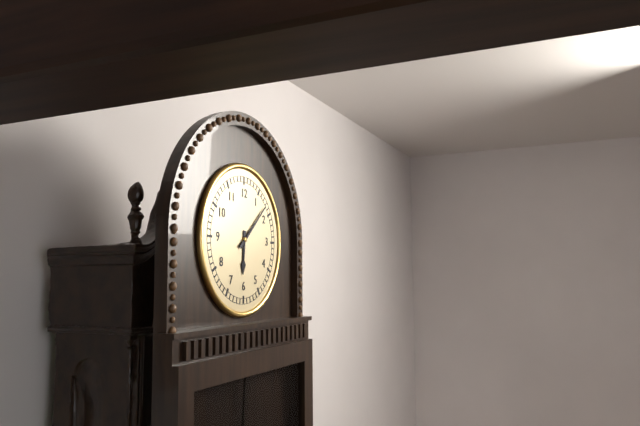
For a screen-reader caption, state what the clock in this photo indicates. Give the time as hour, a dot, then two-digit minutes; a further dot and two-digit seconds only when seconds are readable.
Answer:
6.08
